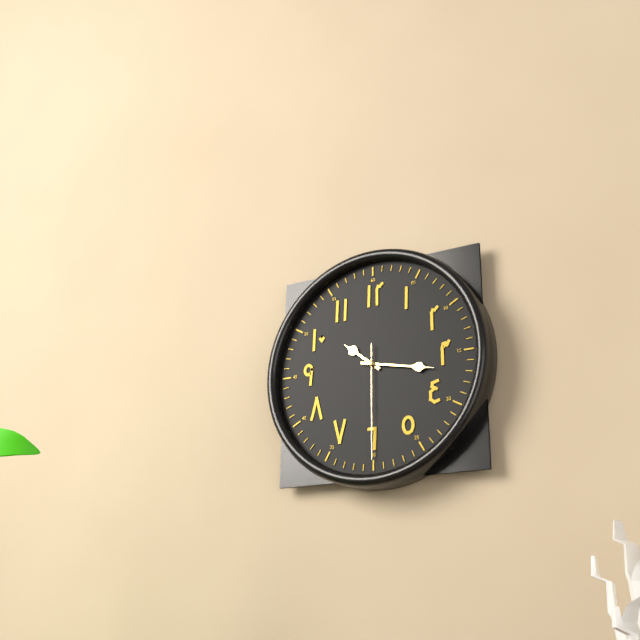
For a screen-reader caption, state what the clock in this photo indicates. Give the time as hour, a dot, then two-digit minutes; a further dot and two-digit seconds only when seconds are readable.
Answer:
10.17.30
